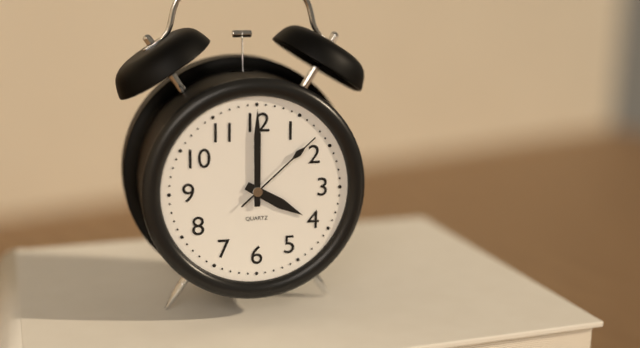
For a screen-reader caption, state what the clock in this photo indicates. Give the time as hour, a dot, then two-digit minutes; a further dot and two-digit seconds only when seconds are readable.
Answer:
4.00.08
